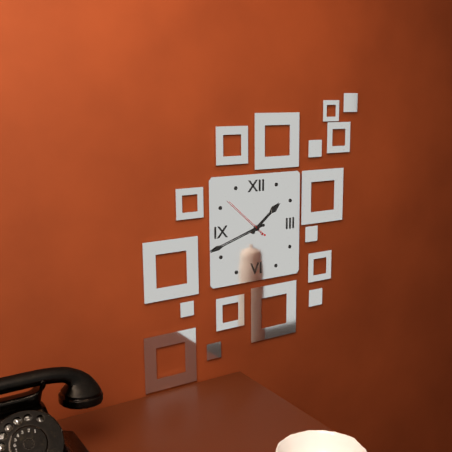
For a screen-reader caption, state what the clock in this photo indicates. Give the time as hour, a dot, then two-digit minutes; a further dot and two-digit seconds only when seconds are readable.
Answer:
1.42
